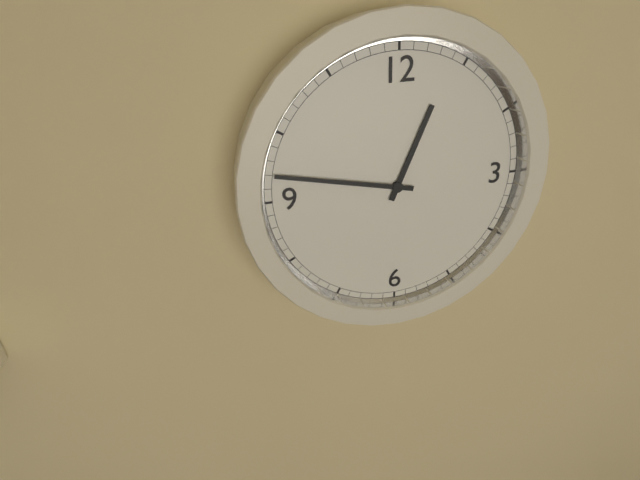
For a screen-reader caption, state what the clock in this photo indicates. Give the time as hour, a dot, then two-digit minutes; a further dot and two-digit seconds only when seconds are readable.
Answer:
12.47
